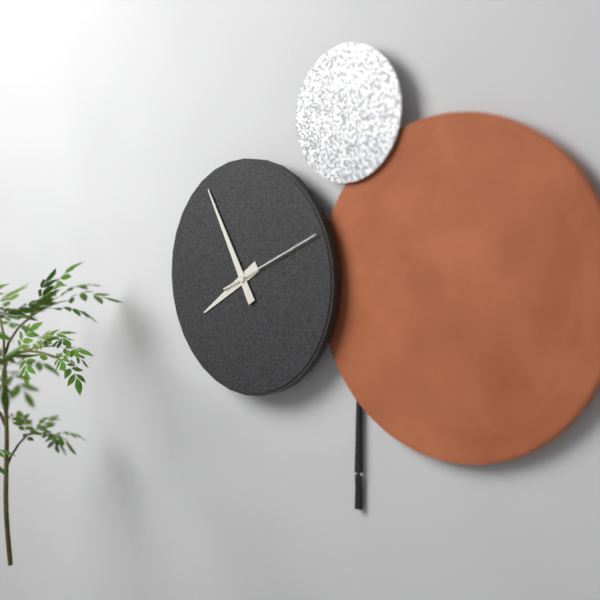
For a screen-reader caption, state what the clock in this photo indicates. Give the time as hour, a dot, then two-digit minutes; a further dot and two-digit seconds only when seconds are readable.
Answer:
7.55.11
